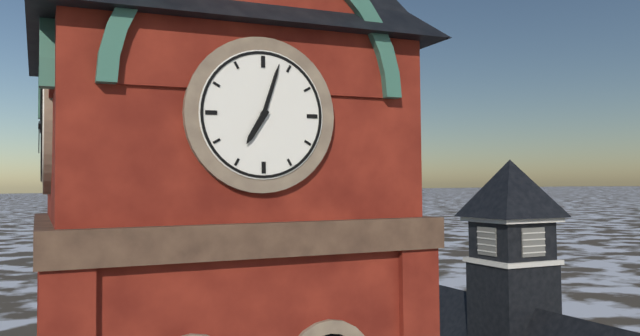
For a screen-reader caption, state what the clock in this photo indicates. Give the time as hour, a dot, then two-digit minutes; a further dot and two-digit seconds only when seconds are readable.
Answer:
7.03
